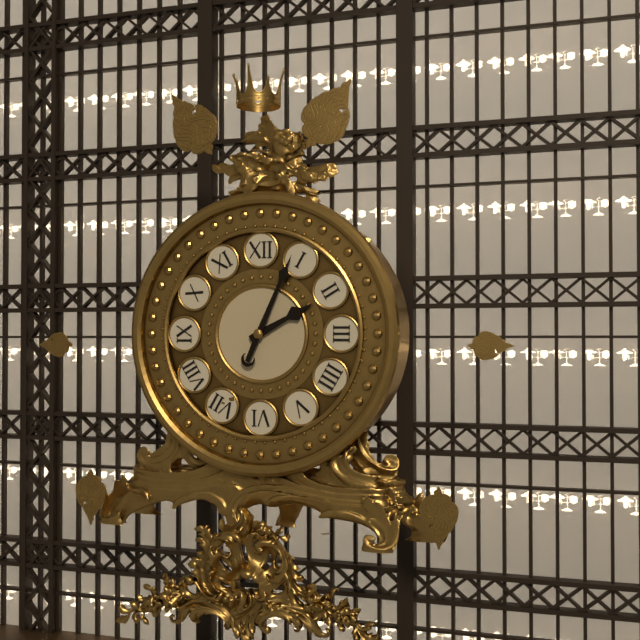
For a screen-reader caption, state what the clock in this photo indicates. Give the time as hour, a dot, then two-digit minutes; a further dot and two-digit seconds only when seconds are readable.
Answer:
2.04
